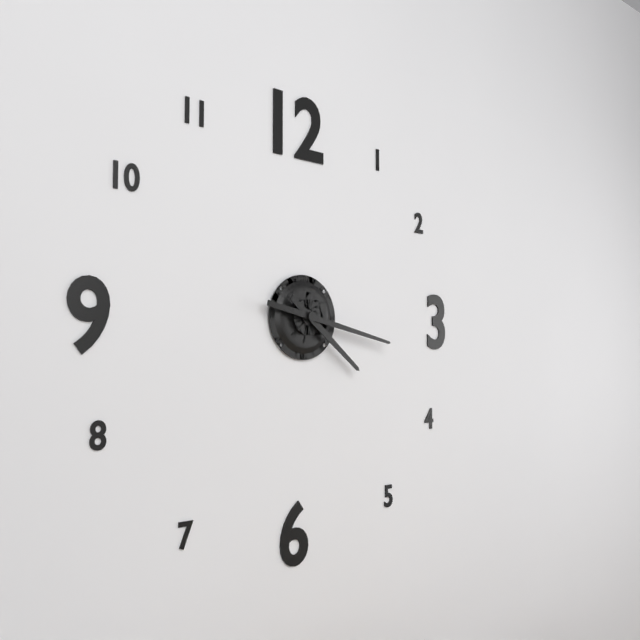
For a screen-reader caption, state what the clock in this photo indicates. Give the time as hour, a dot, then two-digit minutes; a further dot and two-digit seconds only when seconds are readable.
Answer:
4.17
